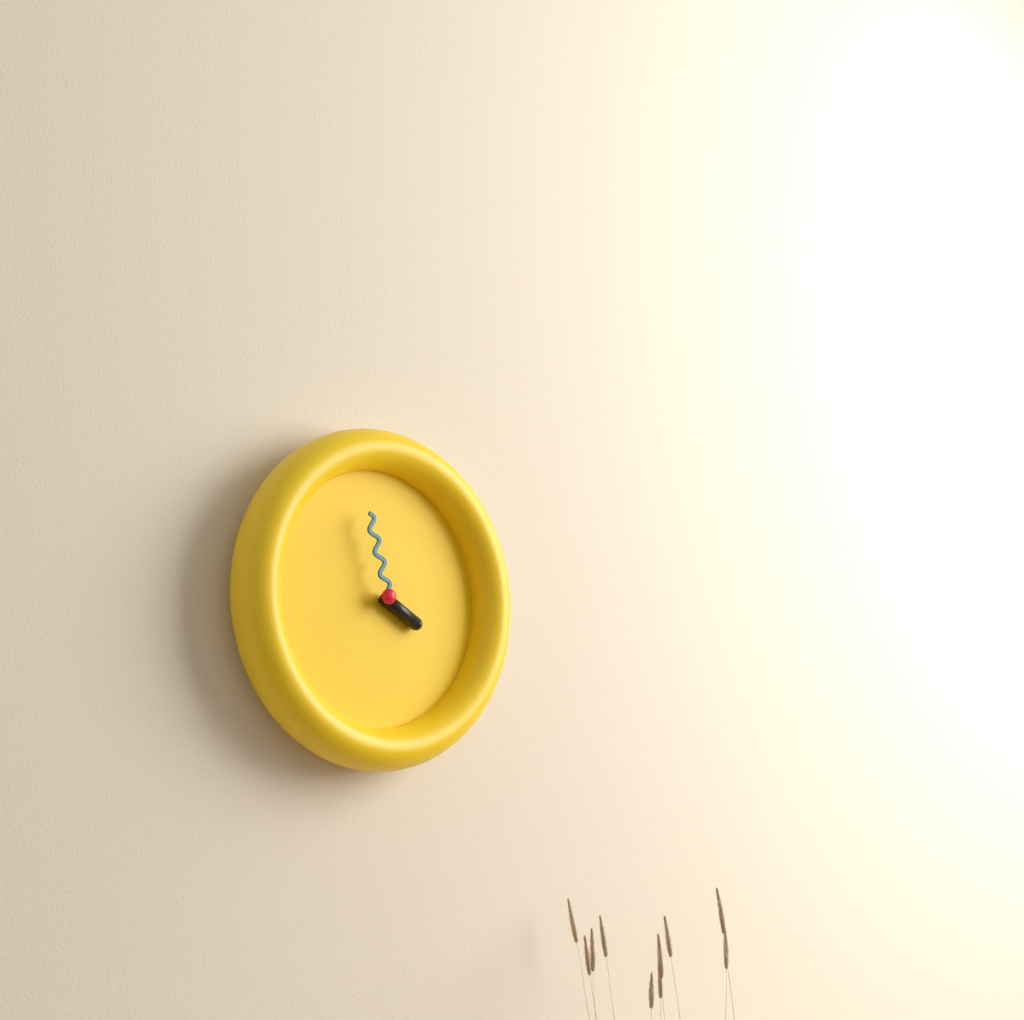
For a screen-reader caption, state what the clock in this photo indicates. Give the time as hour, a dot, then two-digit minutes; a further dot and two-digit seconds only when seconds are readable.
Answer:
3.57
